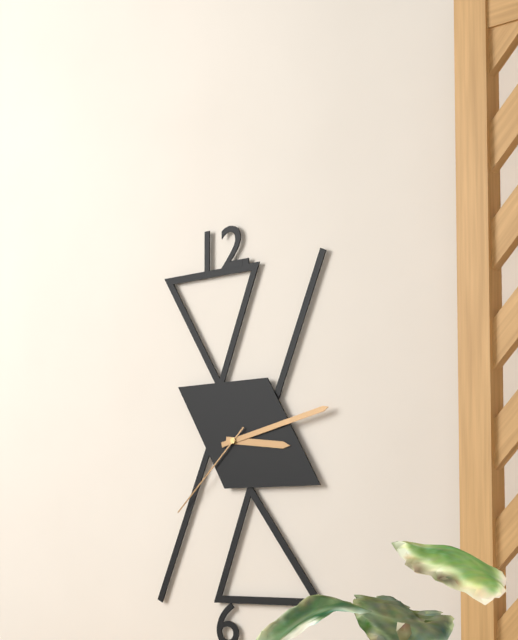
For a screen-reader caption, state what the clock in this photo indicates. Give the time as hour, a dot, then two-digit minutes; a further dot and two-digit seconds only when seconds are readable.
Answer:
3.13.38
